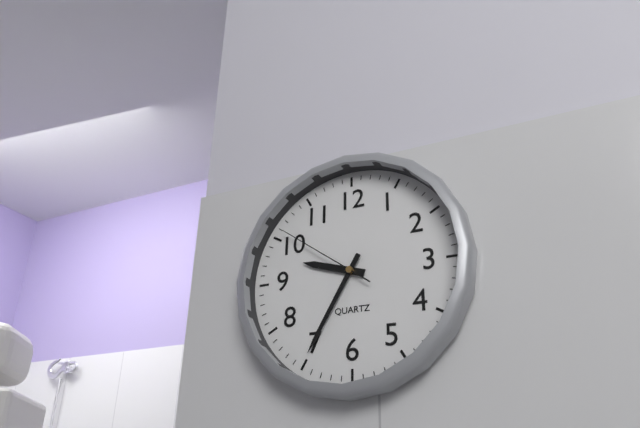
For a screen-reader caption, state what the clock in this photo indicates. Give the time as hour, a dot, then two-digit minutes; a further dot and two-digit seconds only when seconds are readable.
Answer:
9.35.51
